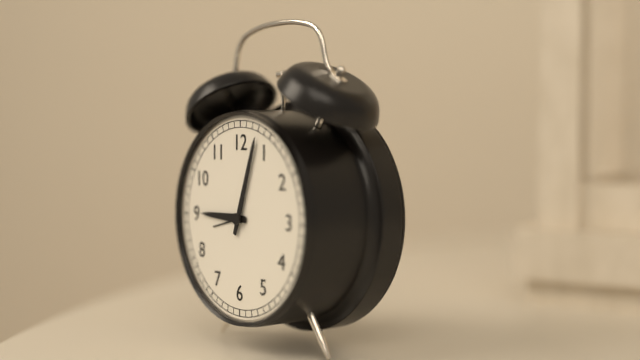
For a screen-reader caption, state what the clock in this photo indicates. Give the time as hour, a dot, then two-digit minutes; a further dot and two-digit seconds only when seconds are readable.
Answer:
9.03
